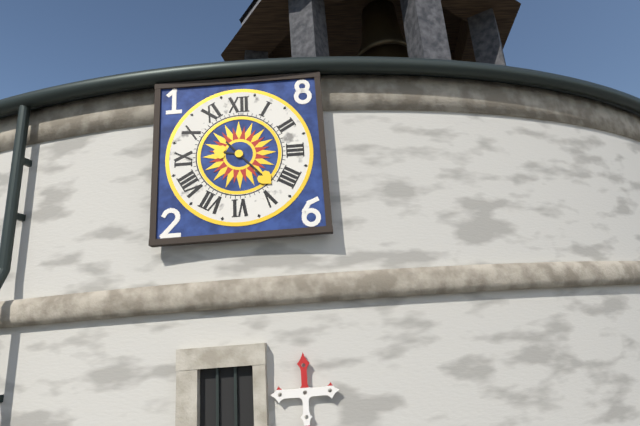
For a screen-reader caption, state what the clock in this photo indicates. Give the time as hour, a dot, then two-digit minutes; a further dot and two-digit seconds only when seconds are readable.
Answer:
9.23
